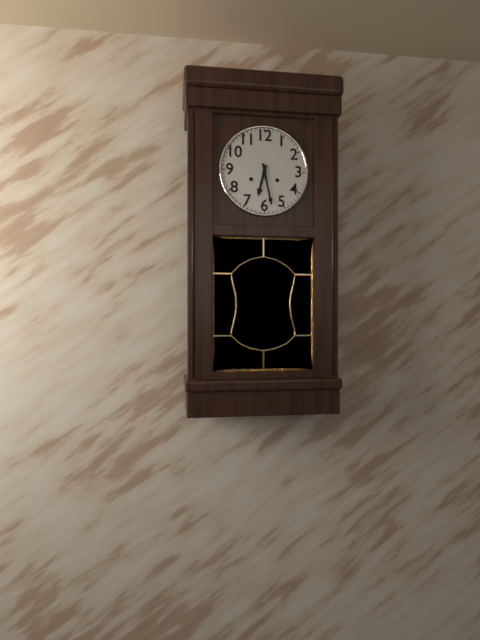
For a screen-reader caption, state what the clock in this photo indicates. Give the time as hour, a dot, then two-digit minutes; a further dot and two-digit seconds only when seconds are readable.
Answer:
6.28
